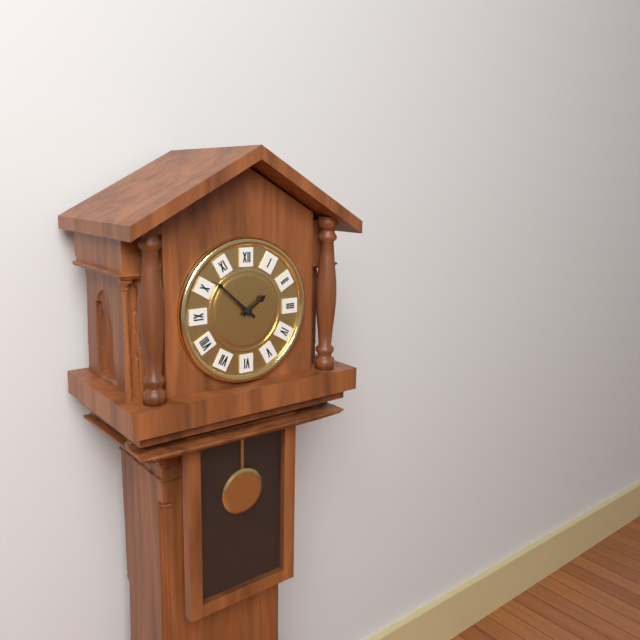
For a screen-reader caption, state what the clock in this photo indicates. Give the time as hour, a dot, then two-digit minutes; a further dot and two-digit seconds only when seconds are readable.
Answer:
1.52
